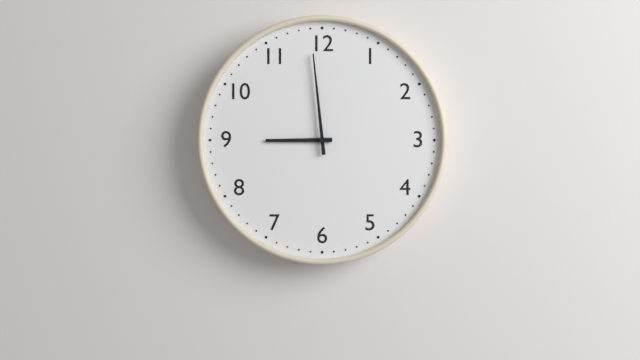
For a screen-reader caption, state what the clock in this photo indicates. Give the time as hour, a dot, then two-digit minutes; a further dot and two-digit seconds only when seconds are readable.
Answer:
8.59
